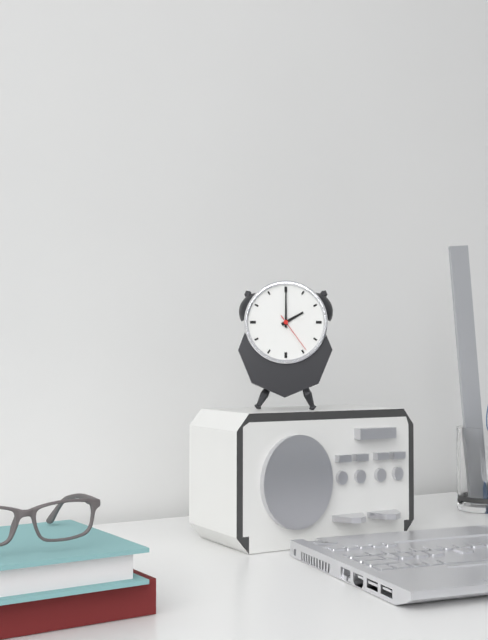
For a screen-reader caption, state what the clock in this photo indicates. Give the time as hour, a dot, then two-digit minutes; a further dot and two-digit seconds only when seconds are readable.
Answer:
2.00
